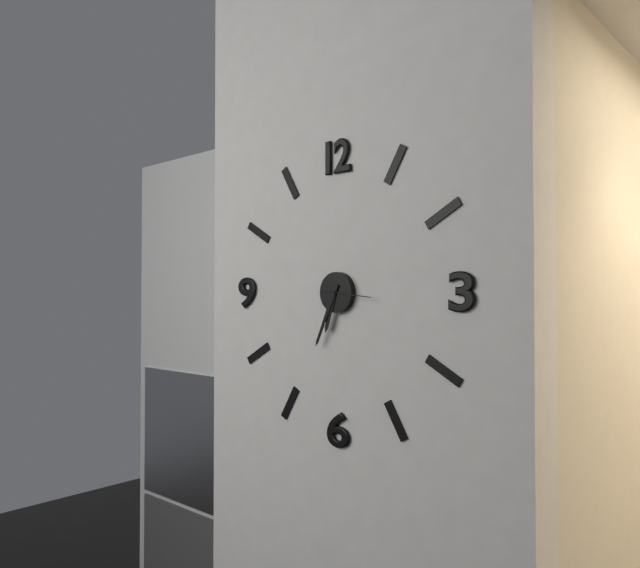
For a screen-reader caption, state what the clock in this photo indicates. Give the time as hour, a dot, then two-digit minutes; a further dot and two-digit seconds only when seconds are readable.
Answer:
6.34
